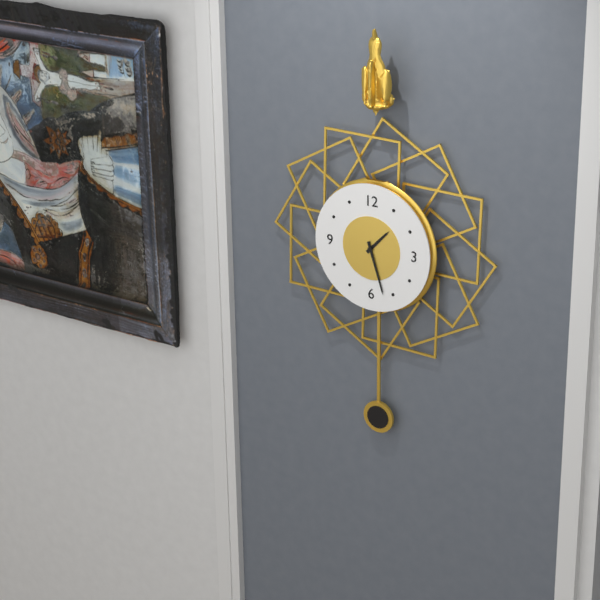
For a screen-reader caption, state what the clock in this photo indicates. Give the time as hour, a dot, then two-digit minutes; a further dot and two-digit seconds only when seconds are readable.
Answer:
1.27
